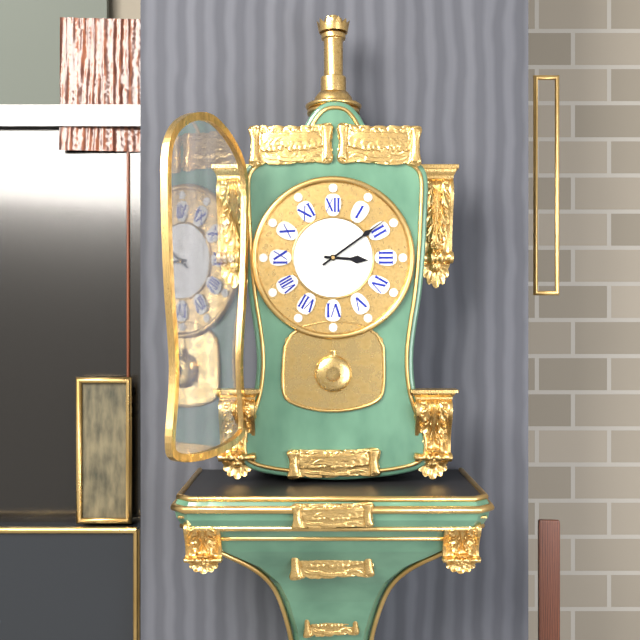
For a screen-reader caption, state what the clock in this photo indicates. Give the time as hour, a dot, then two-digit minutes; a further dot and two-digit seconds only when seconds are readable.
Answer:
3.09
